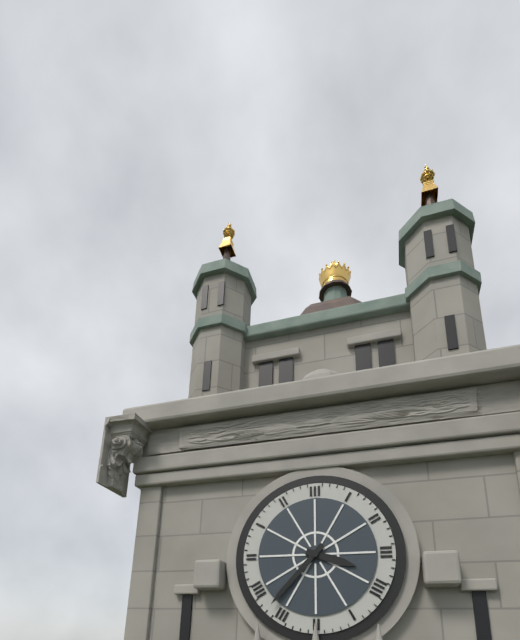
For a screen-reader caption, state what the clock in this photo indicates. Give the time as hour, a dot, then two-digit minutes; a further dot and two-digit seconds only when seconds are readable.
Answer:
3.37
